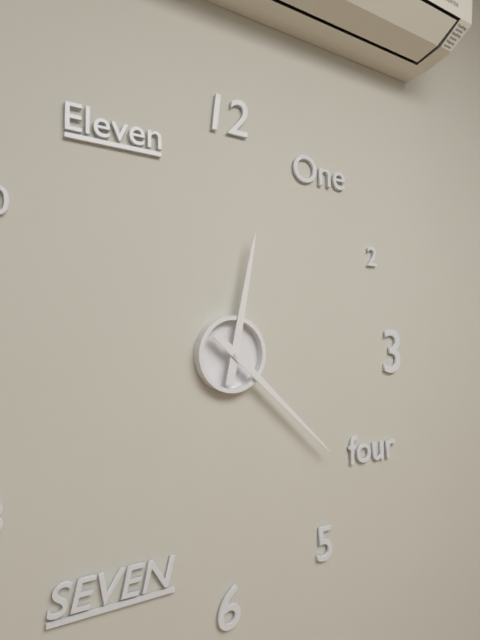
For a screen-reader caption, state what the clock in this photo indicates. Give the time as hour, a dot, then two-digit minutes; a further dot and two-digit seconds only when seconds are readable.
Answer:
12.22
